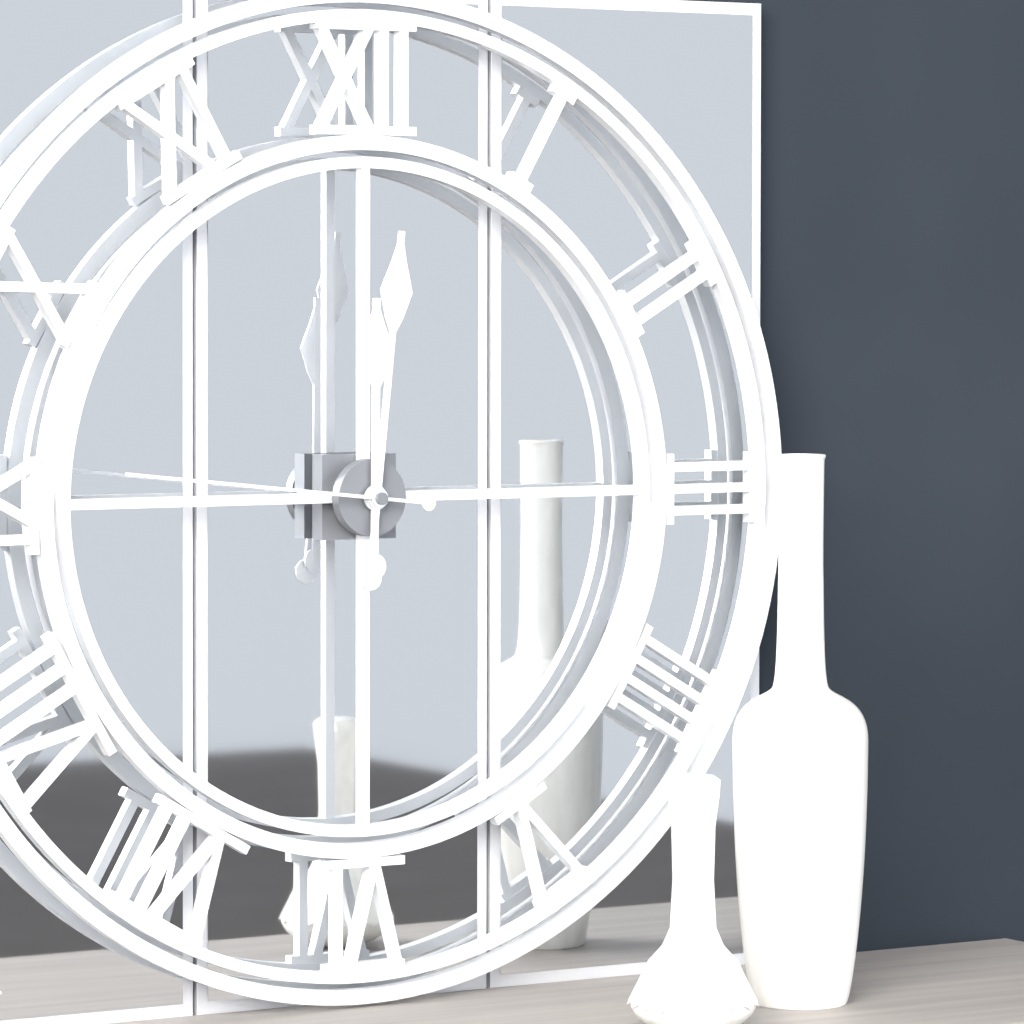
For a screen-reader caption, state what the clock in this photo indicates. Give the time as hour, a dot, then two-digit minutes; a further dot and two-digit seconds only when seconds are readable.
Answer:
12.01.46
